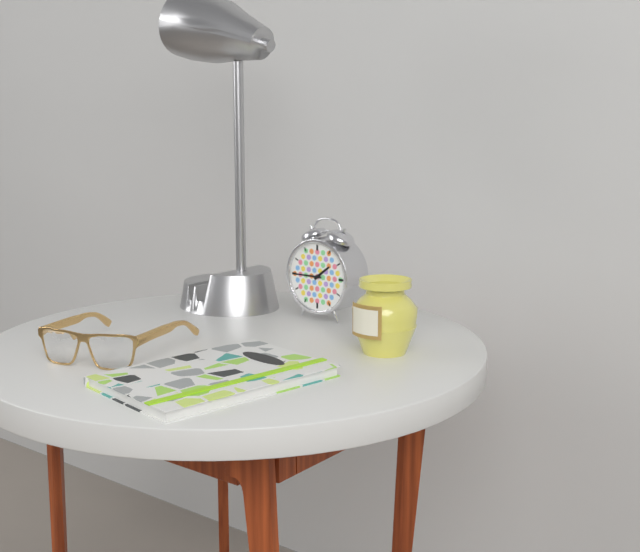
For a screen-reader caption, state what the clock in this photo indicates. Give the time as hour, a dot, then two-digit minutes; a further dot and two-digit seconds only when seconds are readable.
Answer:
1.45
